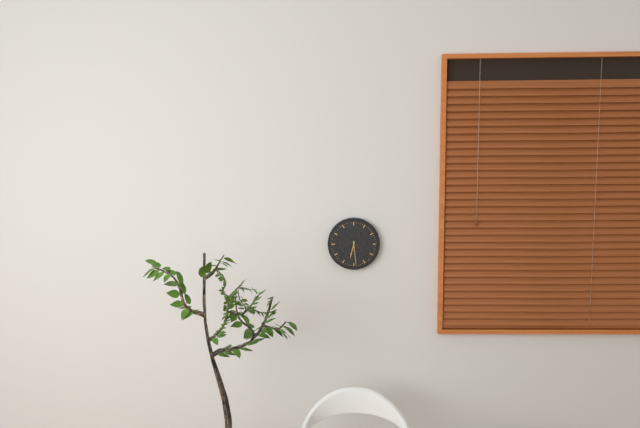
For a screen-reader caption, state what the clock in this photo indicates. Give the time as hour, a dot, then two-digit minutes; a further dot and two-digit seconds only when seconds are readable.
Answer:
6.29
